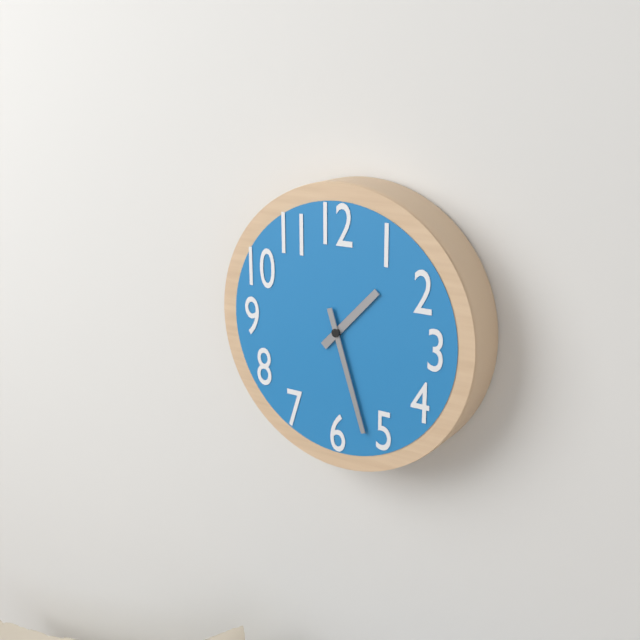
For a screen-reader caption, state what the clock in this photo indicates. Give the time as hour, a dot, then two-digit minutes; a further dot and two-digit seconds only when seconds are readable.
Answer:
1.27
